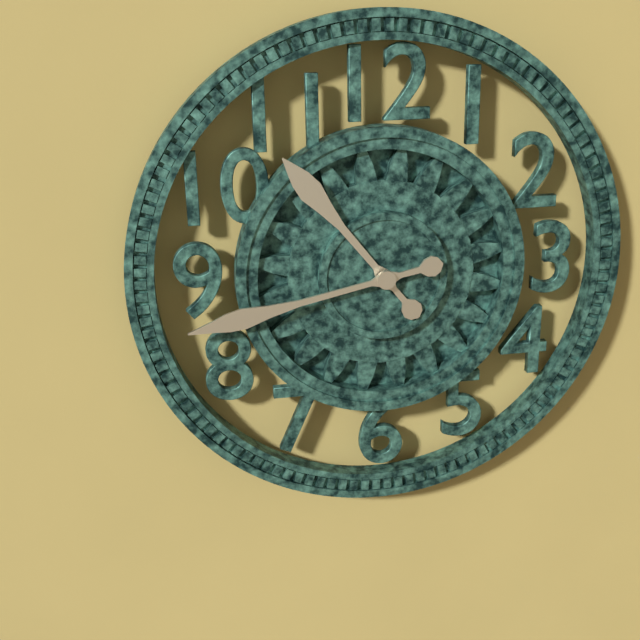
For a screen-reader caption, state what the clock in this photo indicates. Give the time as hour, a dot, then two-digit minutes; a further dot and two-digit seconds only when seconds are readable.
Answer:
10.43
